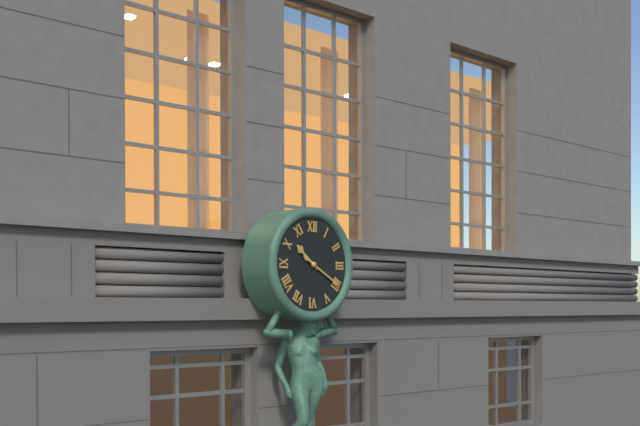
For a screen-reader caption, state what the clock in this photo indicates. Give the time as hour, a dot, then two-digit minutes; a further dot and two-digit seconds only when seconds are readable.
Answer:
10.20
